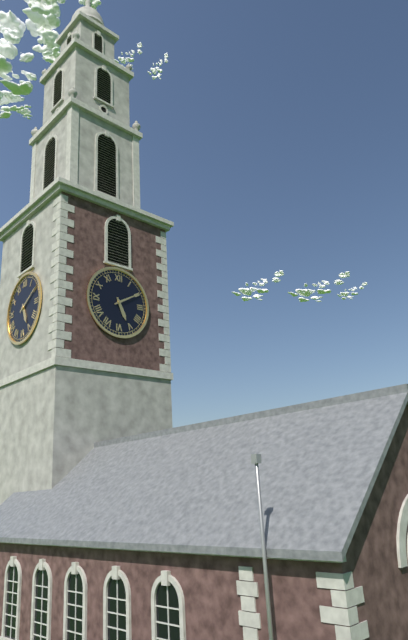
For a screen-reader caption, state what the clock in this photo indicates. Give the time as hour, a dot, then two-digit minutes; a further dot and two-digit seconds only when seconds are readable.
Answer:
5.10
